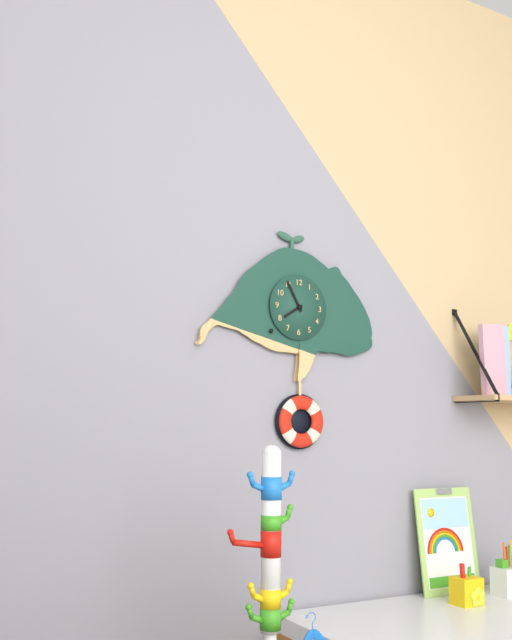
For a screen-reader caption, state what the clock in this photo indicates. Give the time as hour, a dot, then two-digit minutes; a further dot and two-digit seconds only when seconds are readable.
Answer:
7.55
